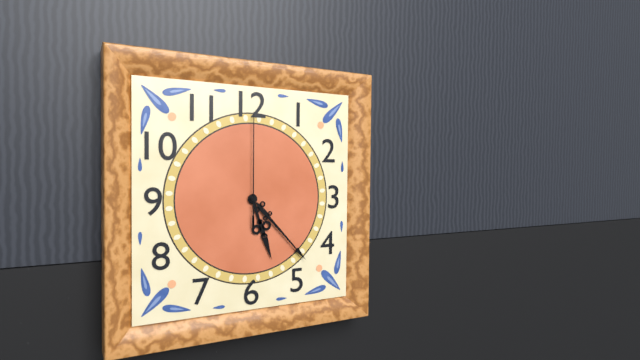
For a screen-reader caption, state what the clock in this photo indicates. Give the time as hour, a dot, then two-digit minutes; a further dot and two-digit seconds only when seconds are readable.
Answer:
5.23.00
